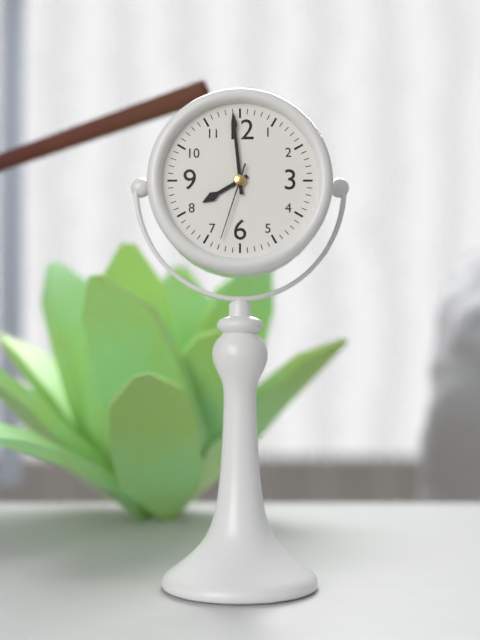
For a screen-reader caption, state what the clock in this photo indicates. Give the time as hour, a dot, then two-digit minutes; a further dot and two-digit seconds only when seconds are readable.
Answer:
7.59.33
